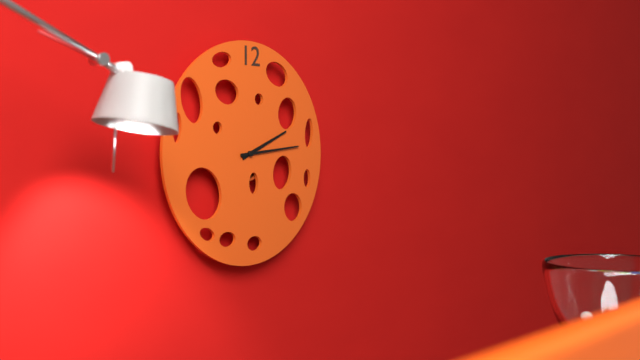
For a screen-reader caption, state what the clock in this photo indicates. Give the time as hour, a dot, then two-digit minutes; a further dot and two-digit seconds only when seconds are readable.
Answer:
2.14
